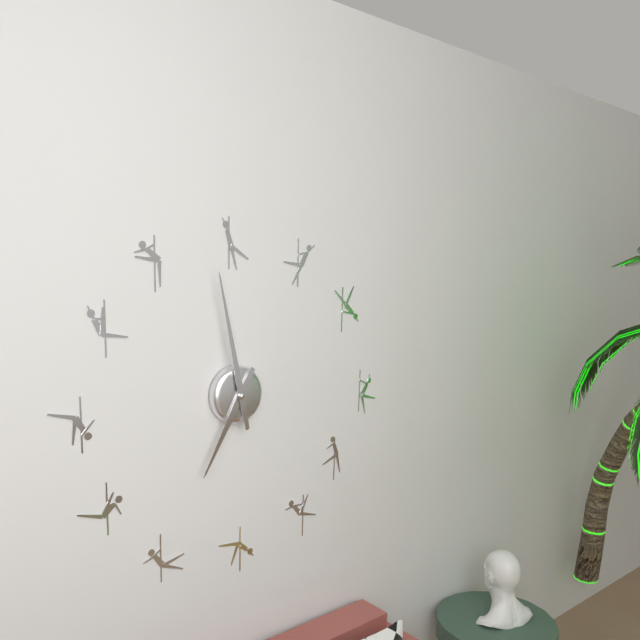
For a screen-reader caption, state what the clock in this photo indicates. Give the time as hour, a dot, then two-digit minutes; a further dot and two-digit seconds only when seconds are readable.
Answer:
6.58
